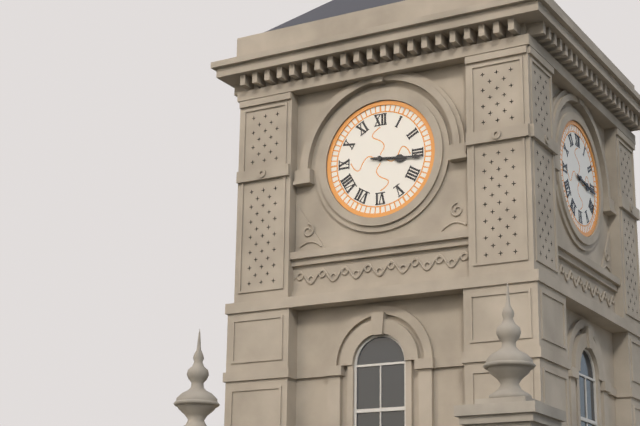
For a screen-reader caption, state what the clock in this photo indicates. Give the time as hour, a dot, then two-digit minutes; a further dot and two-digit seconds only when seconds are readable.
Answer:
3.16
